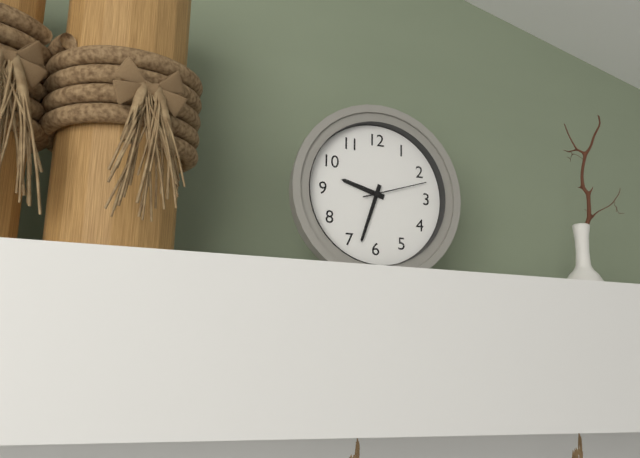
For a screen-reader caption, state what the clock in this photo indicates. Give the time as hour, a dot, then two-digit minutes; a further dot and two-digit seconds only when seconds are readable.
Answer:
9.33.12
